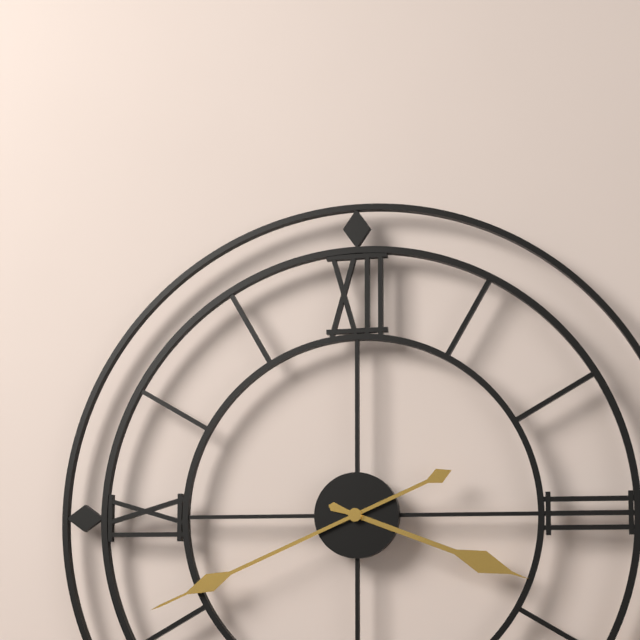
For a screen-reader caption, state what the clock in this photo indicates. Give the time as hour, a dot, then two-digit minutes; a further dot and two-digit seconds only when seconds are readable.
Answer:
3.41
